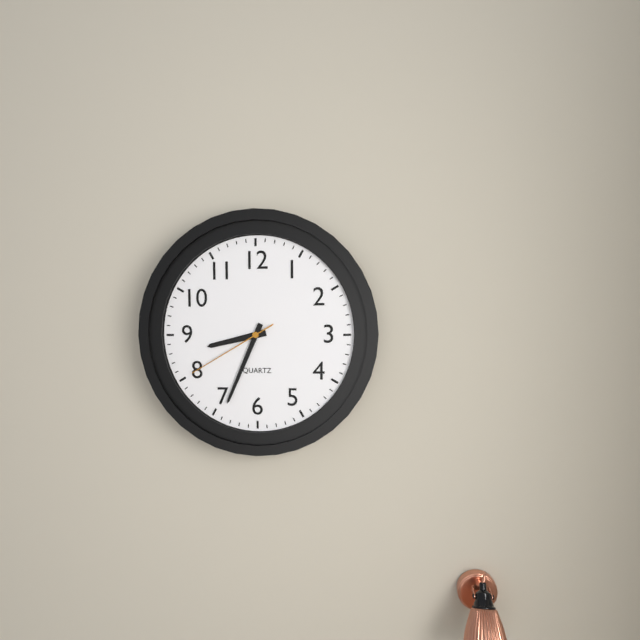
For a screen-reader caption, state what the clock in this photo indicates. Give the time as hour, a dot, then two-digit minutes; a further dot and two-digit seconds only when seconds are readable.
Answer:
8.34.40
